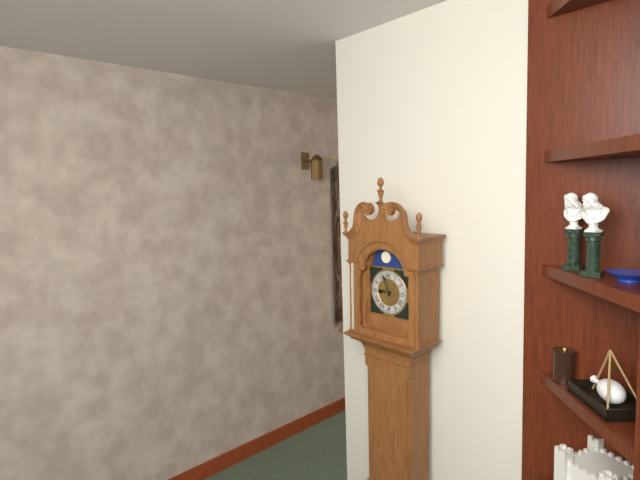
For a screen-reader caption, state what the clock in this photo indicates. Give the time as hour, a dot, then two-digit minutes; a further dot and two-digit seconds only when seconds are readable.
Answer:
8.57
